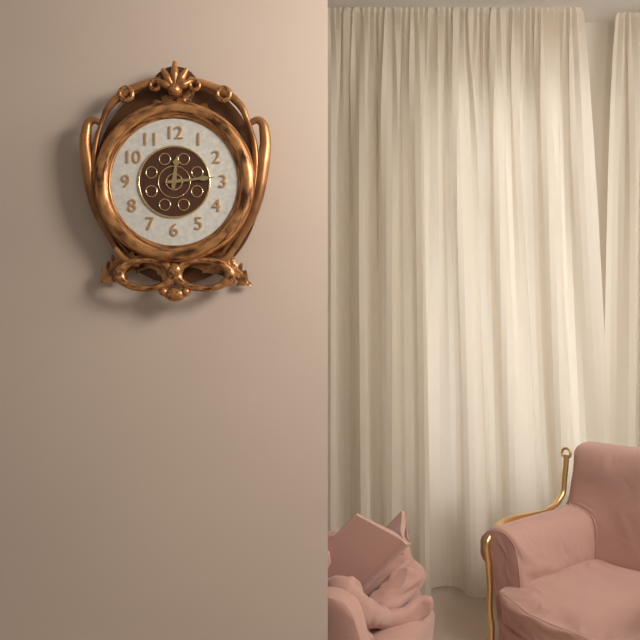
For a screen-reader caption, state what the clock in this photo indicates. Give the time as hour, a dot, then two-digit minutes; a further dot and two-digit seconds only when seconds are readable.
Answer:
12.14
